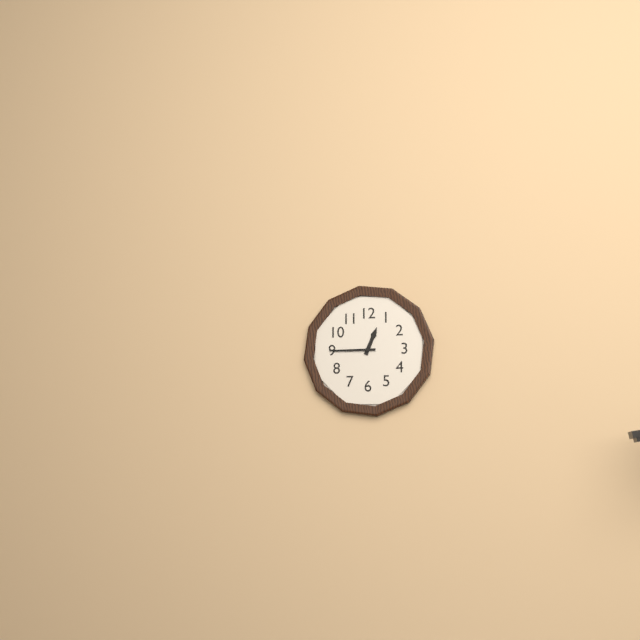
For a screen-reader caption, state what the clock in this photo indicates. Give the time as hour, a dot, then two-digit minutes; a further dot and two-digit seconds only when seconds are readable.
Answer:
12.45
